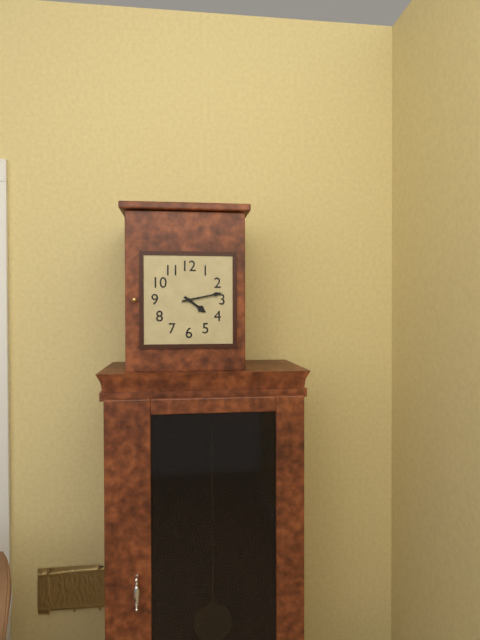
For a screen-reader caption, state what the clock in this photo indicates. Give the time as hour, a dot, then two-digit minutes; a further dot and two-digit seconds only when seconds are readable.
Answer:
4.13
